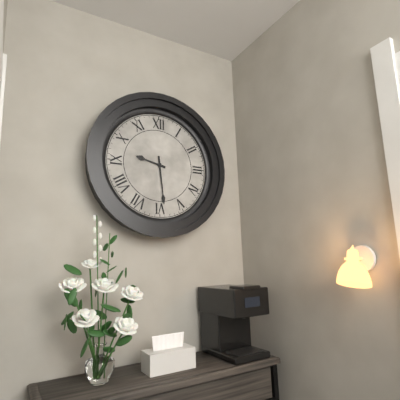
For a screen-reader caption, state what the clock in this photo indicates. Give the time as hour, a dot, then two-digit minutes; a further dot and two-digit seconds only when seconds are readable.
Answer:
9.29
